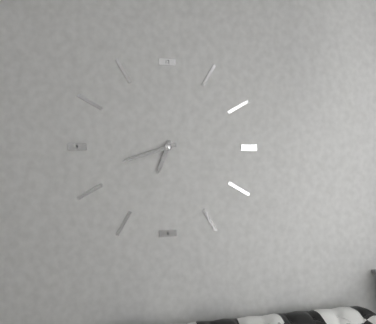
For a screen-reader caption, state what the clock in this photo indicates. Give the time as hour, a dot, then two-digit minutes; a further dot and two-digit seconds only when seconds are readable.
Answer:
6.42
